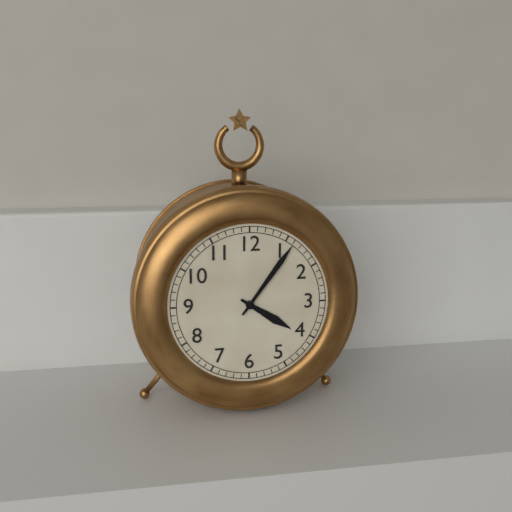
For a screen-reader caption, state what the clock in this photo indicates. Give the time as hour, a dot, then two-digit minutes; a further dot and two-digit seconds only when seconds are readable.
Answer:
4.06
